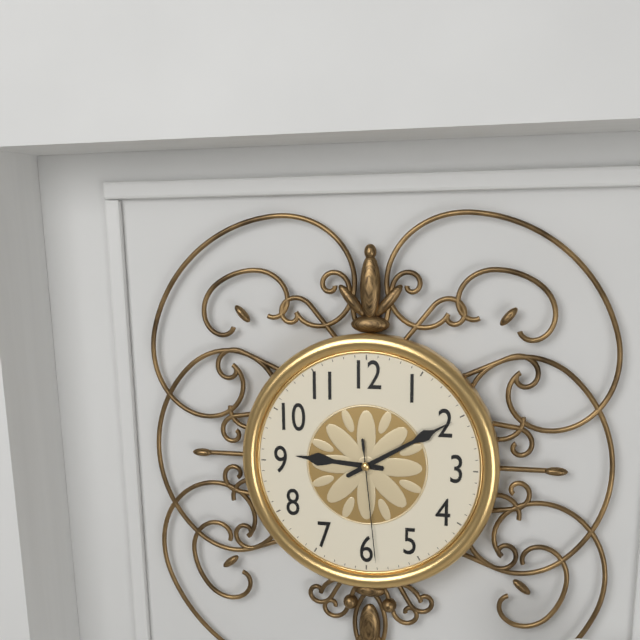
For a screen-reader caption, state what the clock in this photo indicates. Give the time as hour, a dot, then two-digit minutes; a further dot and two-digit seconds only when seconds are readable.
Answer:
9.10.29
